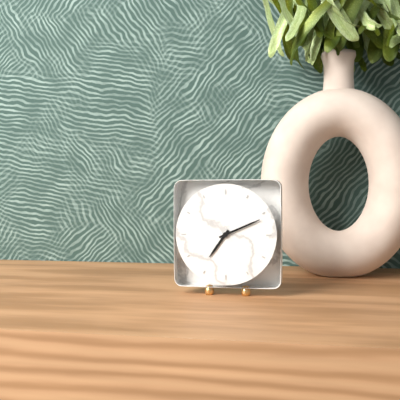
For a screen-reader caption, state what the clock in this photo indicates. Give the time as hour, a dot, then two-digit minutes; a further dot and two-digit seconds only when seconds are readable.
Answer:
7.11
